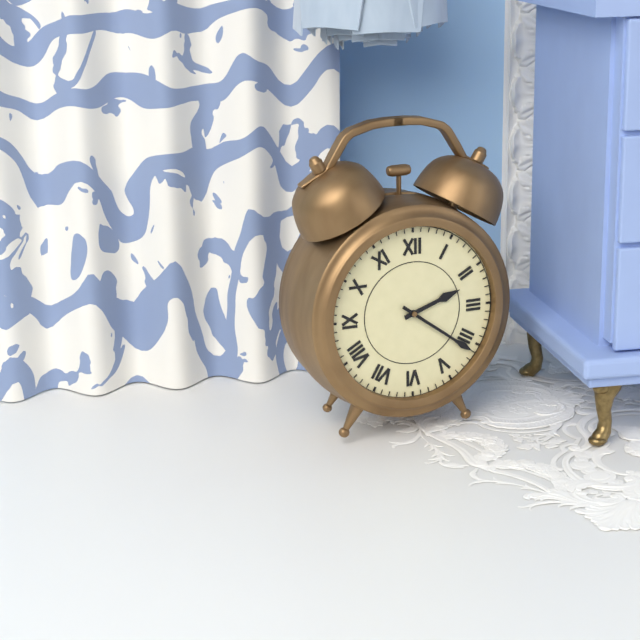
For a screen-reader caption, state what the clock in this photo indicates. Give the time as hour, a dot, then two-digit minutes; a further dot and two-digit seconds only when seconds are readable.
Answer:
2.21
